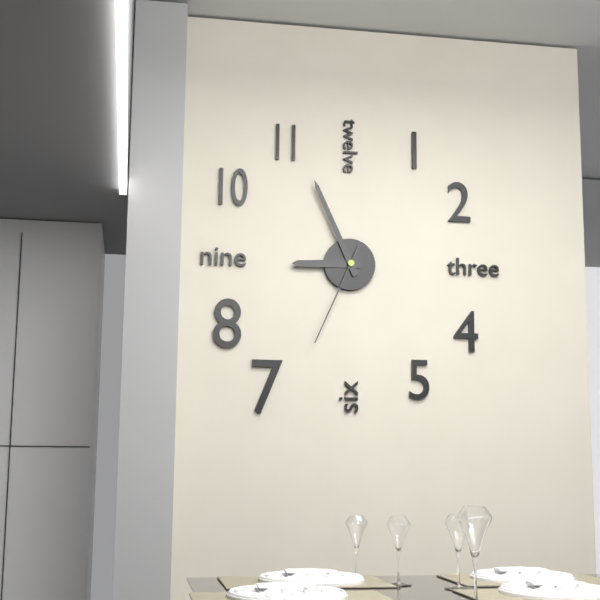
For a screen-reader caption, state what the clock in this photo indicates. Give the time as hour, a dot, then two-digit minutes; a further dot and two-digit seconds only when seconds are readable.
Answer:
8.56.34
